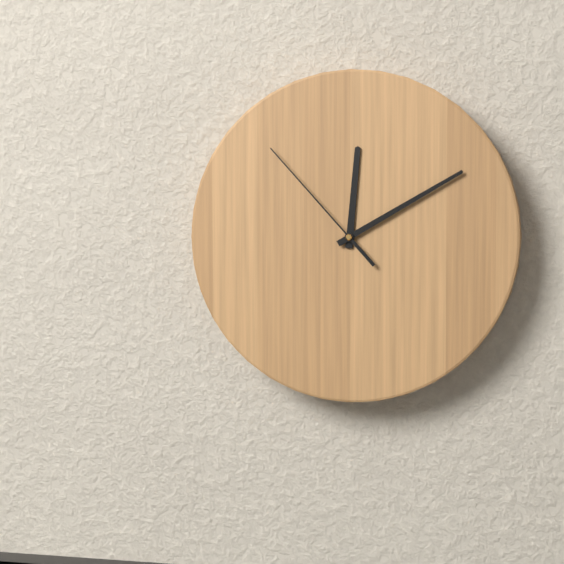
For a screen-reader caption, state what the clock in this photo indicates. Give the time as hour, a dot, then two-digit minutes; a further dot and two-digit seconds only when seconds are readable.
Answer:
12.10.53
